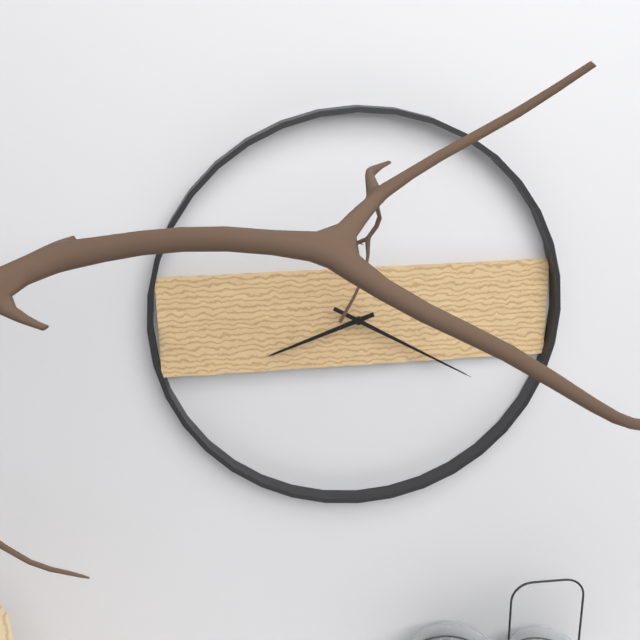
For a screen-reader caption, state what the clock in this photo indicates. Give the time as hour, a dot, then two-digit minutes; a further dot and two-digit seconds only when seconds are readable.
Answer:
8.20
